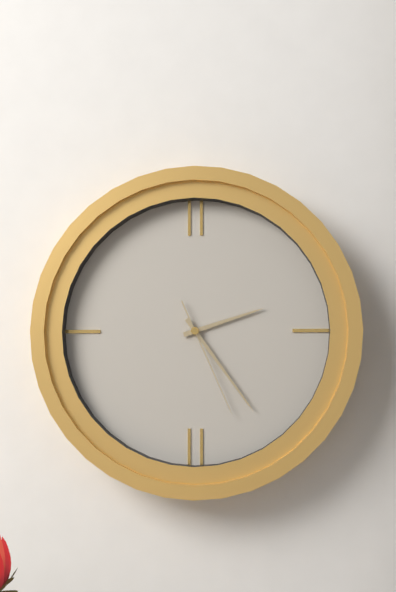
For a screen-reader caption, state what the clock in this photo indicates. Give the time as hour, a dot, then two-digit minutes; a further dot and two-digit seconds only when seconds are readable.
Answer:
2.24.26
